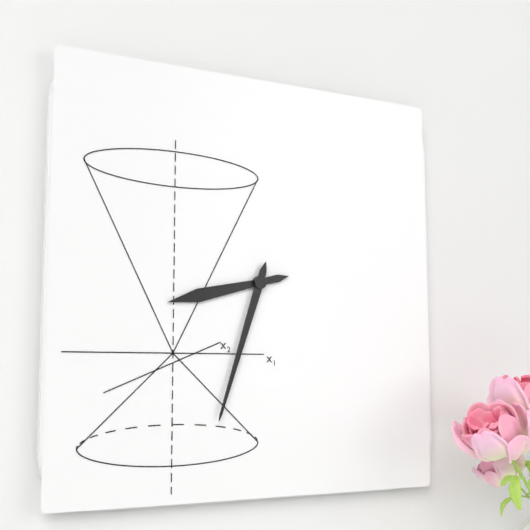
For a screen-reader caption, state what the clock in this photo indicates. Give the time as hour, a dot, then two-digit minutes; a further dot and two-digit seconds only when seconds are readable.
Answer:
8.33
